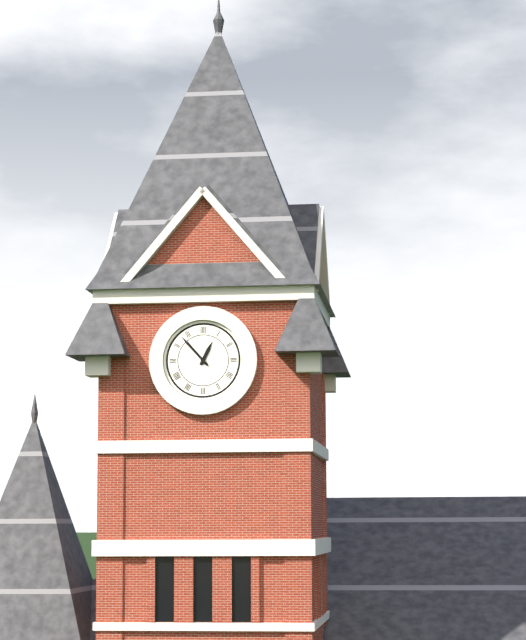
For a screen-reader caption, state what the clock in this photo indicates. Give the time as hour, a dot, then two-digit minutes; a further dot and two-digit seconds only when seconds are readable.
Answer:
12.53
